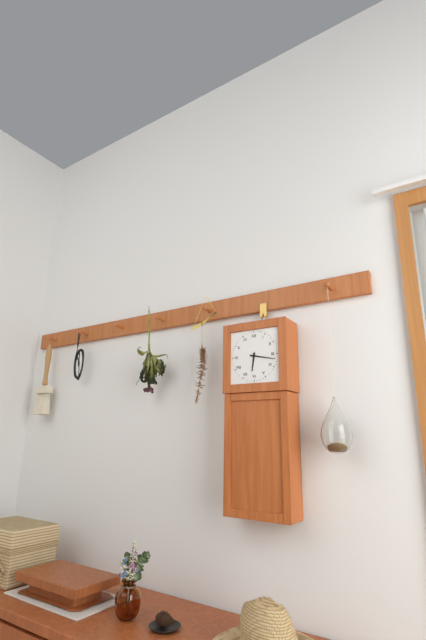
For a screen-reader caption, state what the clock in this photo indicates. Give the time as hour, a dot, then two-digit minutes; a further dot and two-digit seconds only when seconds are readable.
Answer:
6.17
